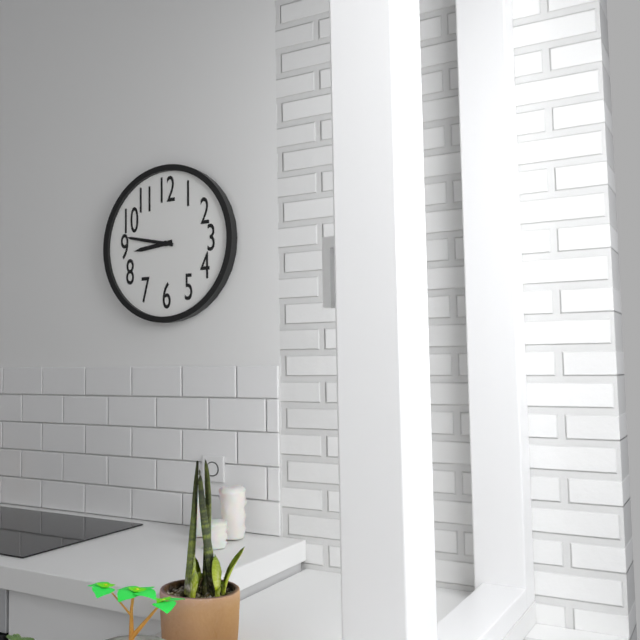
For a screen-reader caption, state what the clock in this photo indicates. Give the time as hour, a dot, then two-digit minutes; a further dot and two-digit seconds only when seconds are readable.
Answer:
8.47
